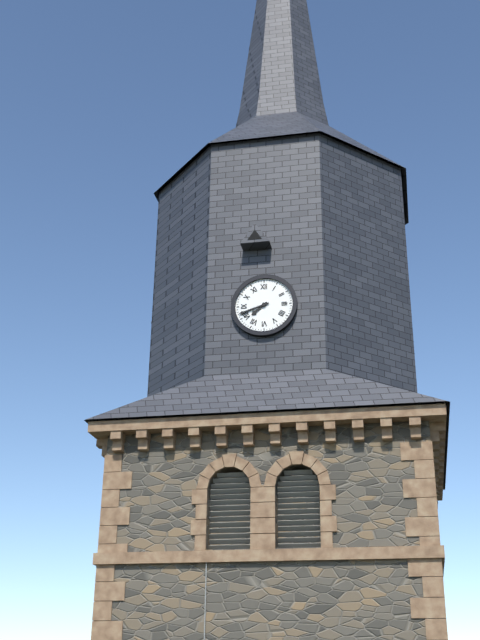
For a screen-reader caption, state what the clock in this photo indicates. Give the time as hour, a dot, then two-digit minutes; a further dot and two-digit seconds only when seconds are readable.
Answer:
7.42
